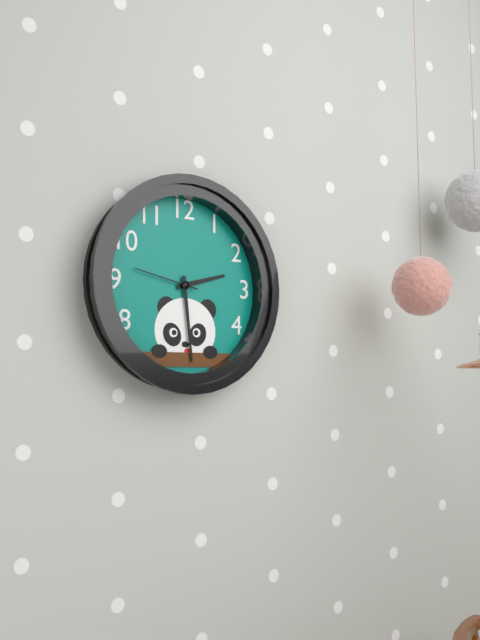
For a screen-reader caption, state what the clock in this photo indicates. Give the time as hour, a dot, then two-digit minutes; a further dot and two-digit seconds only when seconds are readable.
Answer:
2.29.47
